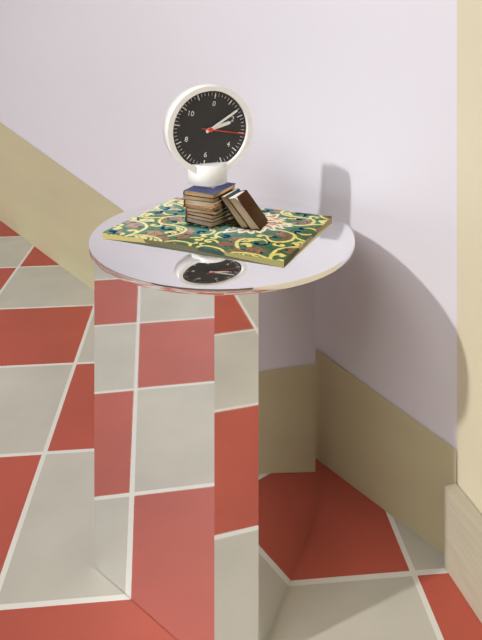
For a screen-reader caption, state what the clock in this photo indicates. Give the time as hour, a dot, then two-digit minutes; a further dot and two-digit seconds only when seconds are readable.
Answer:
2.08
